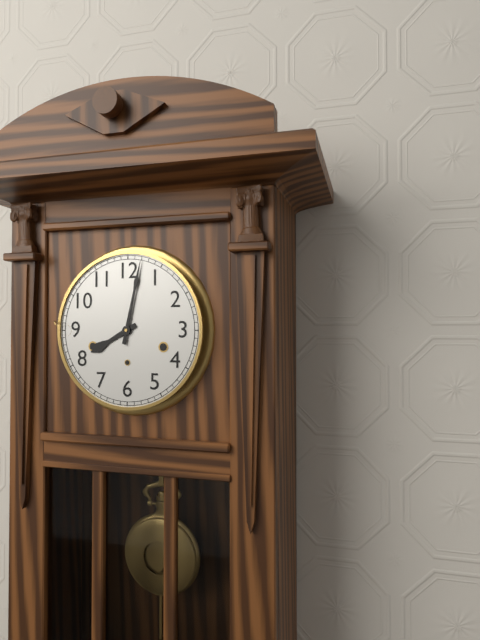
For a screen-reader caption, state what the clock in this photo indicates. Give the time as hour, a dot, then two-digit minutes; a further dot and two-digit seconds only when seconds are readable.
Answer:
8.02
